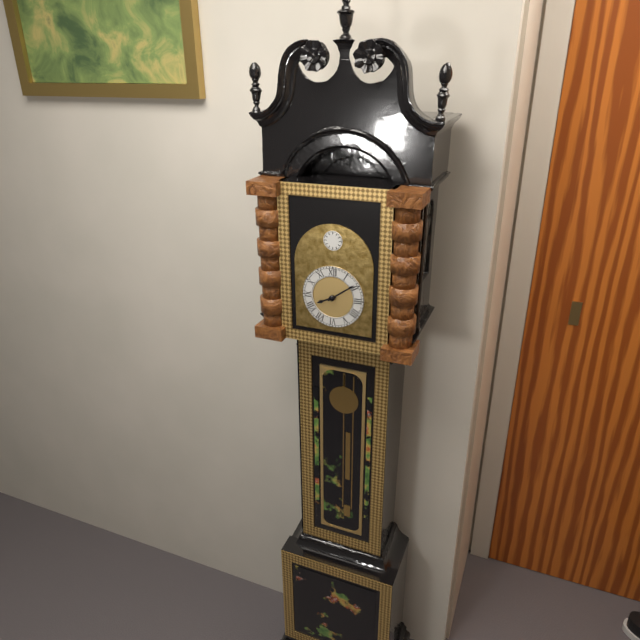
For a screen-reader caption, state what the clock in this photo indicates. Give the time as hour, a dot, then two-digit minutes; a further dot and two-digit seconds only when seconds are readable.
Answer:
8.09
